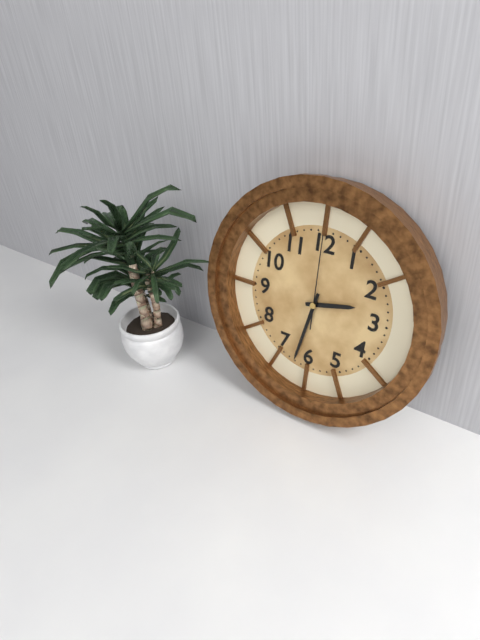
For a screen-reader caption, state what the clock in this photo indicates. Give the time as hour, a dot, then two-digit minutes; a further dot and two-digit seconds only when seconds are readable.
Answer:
2.32.00
